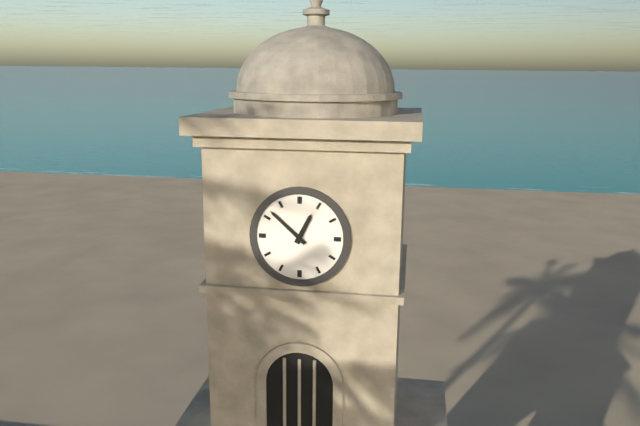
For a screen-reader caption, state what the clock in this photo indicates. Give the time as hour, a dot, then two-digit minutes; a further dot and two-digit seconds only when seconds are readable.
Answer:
12.52
